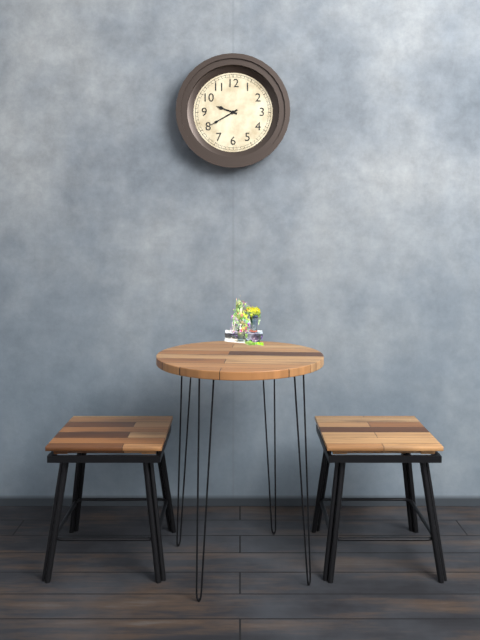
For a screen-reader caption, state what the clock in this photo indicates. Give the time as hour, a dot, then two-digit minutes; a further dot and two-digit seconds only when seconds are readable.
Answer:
9.40
